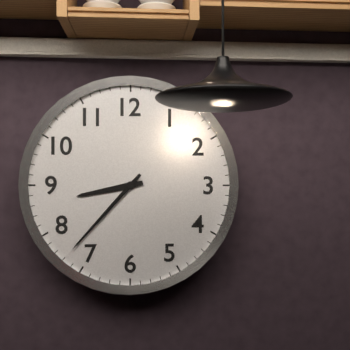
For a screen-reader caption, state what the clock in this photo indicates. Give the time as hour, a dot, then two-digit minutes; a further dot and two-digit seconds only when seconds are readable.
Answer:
8.37
